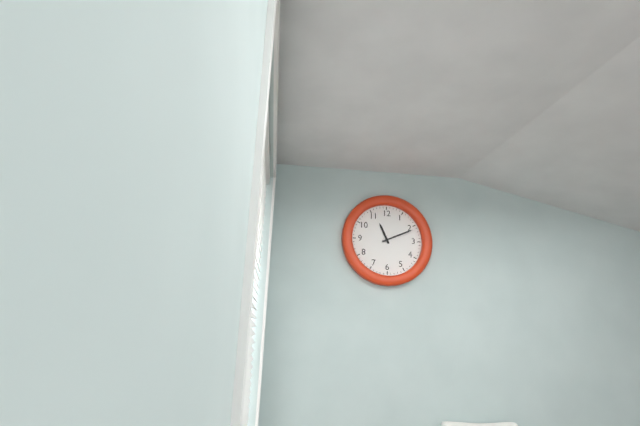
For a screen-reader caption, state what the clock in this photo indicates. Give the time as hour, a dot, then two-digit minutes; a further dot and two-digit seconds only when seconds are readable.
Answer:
11.11
